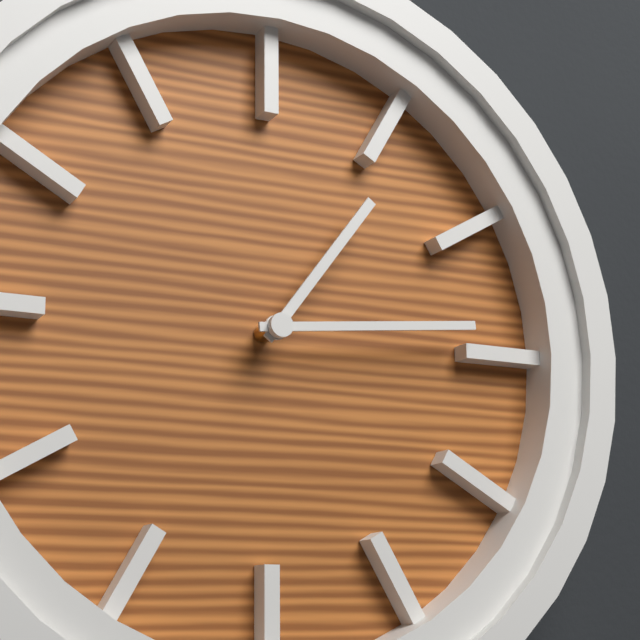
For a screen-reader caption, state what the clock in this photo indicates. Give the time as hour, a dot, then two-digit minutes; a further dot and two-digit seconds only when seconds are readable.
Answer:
1.14
